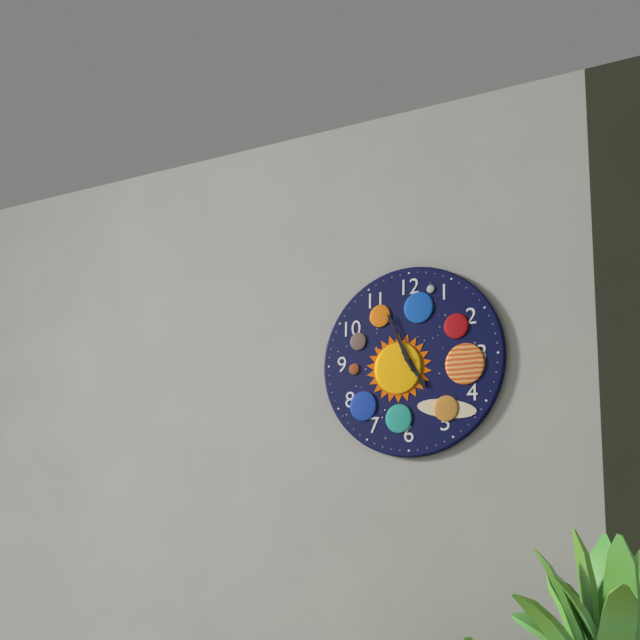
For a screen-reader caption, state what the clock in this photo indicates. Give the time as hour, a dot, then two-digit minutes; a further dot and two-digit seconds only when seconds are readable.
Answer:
4.56
